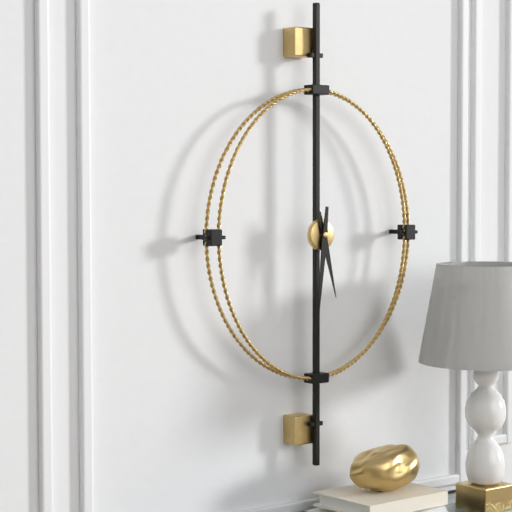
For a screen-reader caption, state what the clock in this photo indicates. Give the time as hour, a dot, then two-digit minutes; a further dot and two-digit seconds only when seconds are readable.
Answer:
5.31
